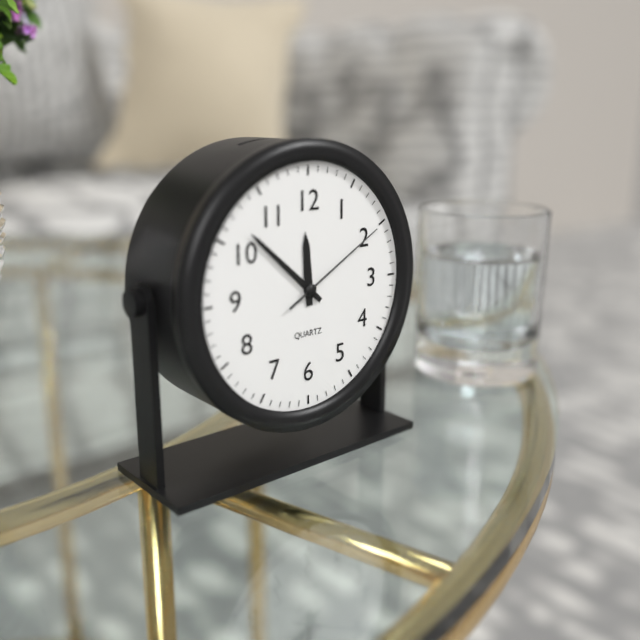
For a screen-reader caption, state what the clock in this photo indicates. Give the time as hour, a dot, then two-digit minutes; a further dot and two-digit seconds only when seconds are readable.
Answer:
11.52.10
